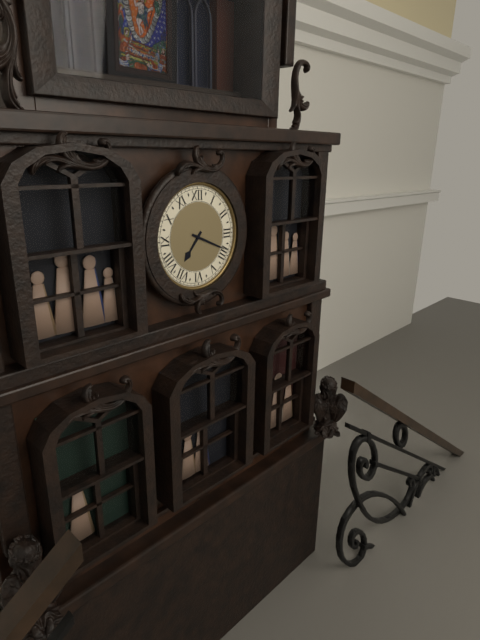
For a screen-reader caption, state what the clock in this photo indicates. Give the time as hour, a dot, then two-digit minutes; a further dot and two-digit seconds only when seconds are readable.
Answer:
7.19
